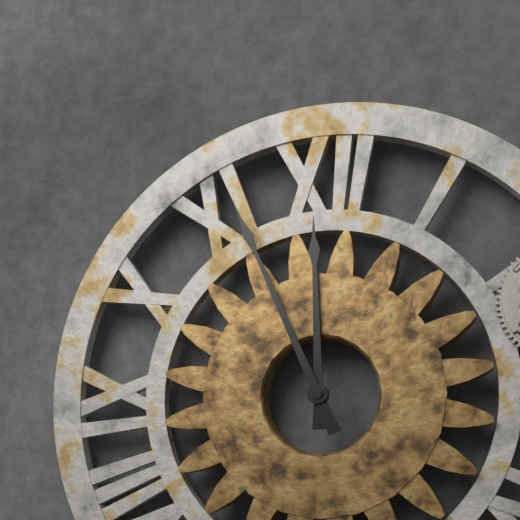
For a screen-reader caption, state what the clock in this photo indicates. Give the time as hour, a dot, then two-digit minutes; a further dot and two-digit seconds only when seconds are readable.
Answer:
11.56
